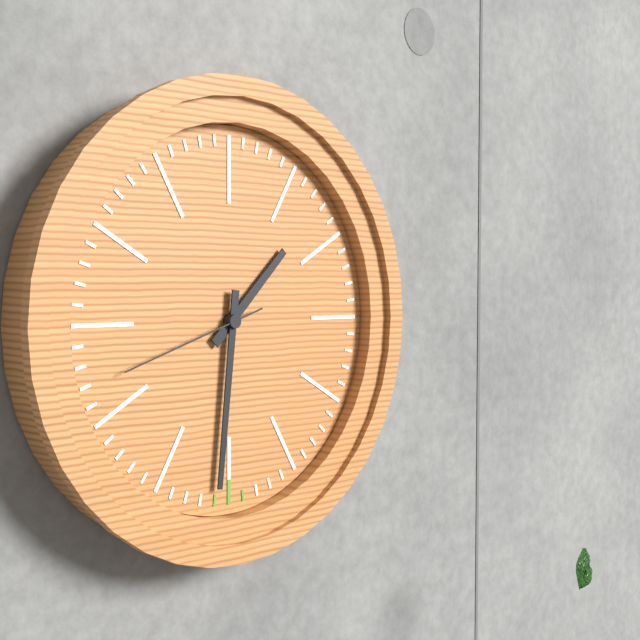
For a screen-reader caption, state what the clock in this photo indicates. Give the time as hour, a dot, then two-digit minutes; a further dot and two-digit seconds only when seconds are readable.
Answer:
1.31.42
